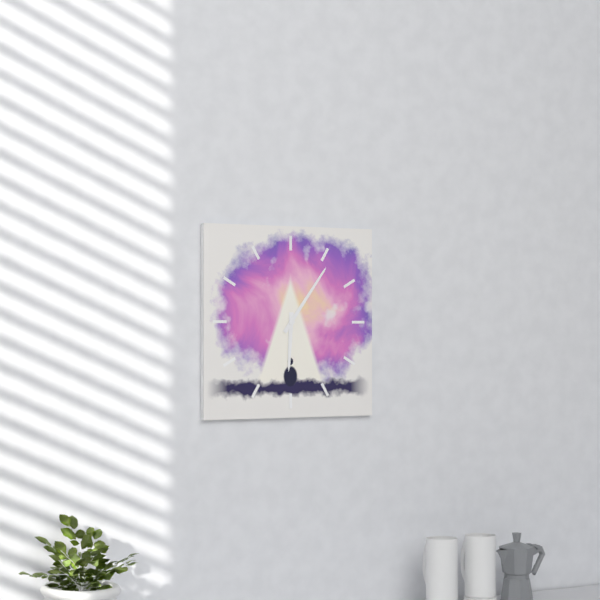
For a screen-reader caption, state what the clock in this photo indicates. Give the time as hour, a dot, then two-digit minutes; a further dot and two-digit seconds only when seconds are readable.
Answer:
6.06
